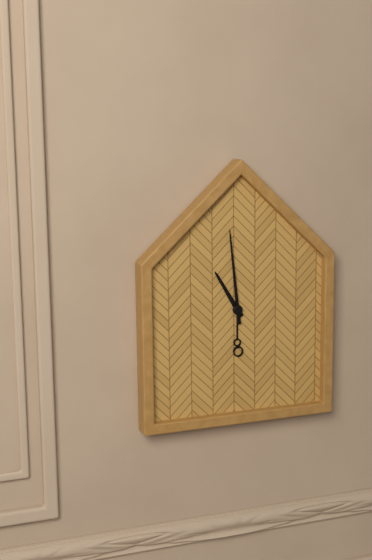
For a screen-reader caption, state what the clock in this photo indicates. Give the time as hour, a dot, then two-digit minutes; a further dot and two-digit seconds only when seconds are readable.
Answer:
10.59
